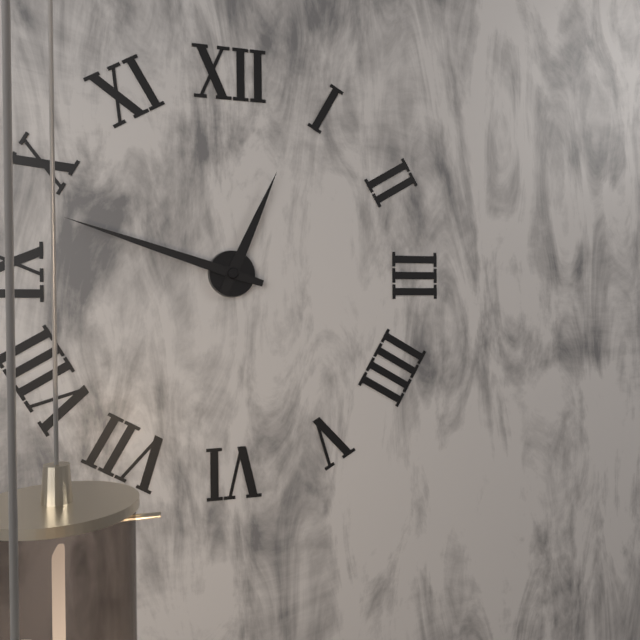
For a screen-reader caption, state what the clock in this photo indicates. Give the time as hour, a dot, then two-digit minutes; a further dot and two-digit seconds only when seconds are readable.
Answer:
12.48
